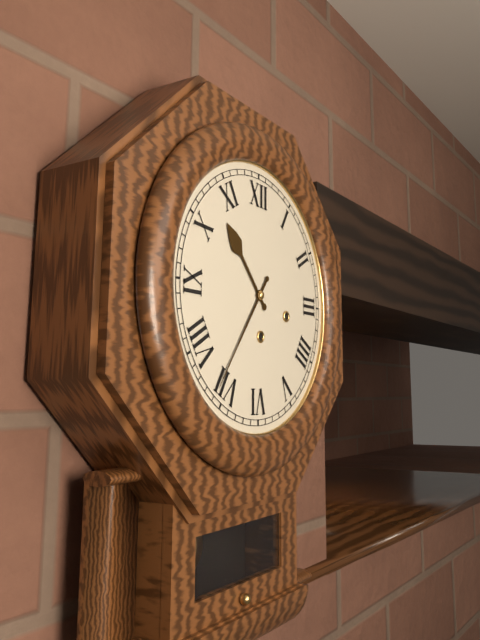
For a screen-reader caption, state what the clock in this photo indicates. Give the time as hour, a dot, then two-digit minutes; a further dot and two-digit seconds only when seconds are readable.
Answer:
10.36
